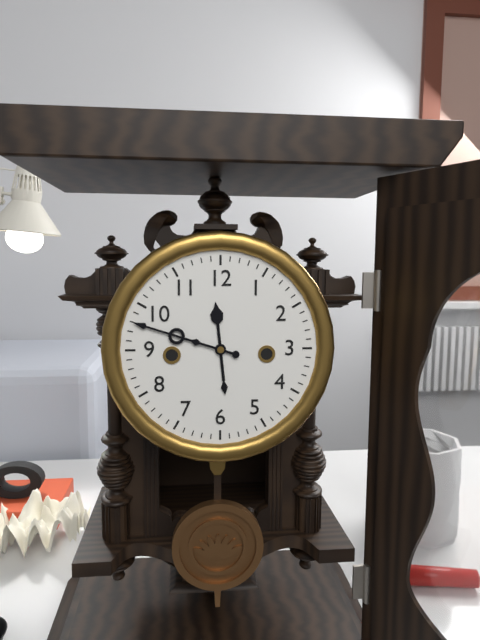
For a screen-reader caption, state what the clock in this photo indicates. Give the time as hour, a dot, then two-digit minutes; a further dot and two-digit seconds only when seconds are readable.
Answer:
11.48
